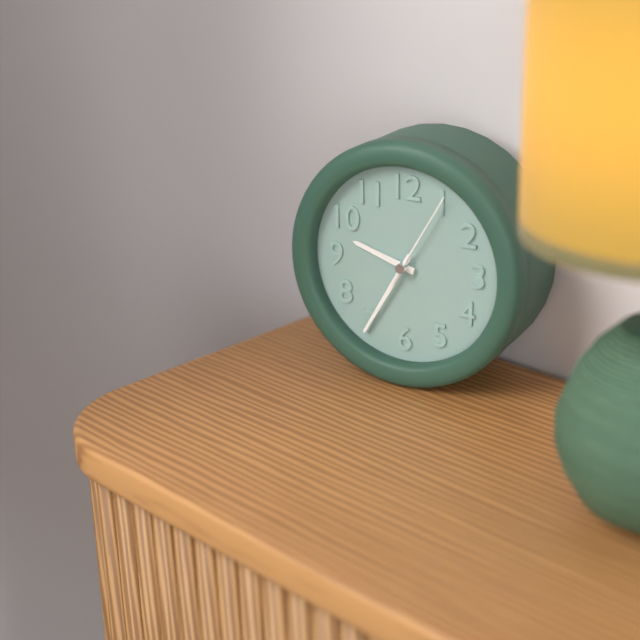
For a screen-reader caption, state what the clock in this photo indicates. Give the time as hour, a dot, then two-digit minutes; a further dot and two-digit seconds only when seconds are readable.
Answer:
9.35.05
